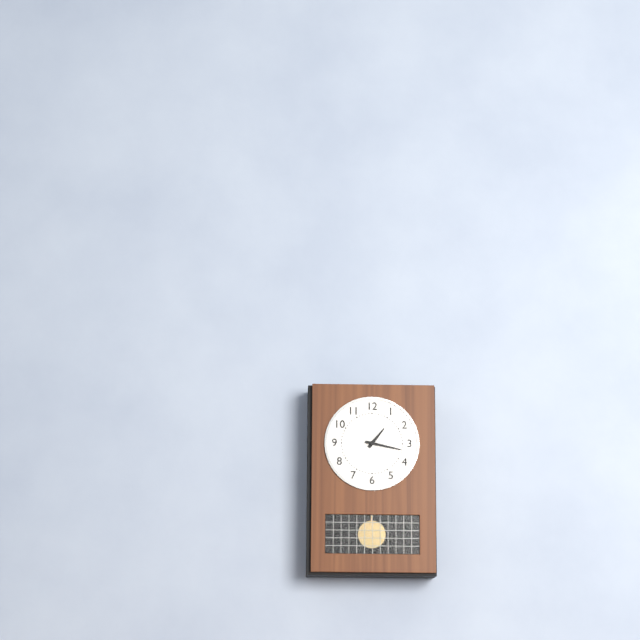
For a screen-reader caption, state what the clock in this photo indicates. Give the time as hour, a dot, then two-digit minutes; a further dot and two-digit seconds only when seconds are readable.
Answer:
1.17
